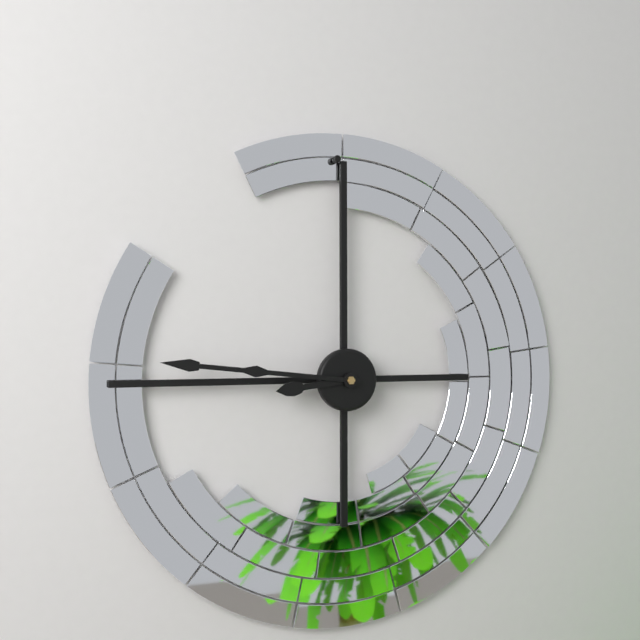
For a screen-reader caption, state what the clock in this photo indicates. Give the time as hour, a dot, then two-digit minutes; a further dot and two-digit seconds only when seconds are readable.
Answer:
8.46
